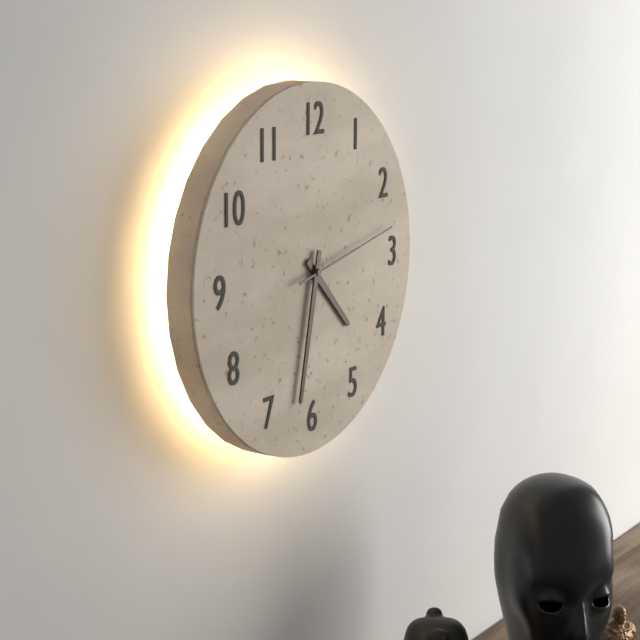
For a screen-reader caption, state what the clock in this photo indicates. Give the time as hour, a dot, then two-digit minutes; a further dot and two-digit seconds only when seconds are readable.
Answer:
4.32.13
